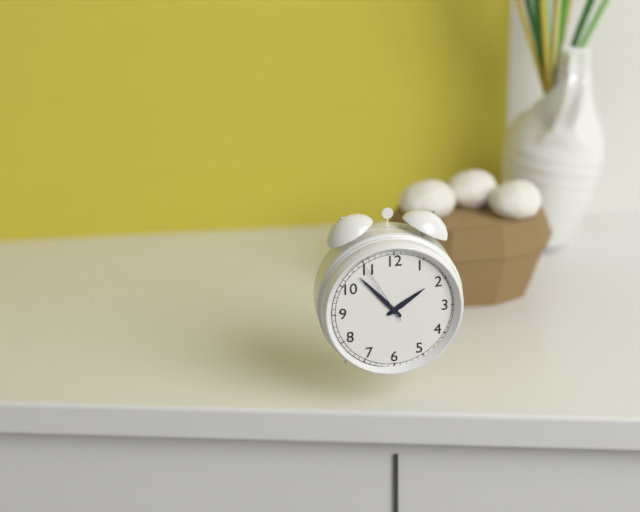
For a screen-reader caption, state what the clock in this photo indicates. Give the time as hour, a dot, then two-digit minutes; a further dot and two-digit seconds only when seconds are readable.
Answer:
1.53.55
